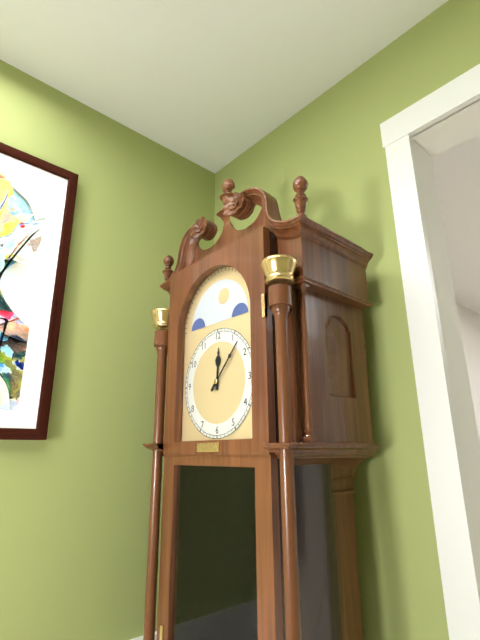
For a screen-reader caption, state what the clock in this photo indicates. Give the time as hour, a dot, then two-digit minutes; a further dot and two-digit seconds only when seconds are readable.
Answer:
12.07
